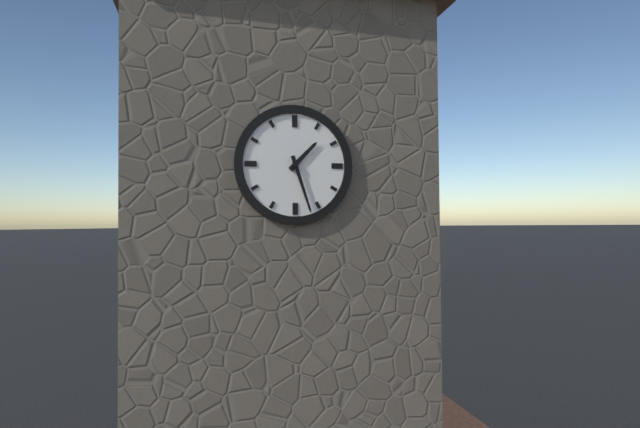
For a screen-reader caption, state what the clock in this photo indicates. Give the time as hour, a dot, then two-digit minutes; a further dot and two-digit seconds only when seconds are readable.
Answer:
1.27
